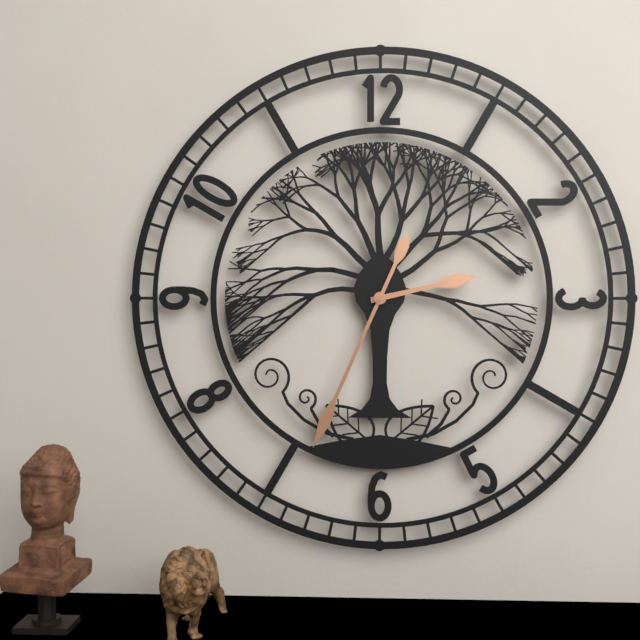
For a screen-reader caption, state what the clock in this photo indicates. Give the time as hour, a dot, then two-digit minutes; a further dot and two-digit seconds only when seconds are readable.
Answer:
2.34
